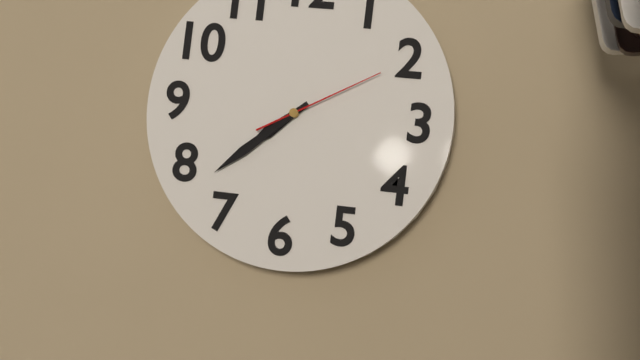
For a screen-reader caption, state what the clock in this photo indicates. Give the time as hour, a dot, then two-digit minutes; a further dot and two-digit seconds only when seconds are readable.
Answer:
7.38.10
